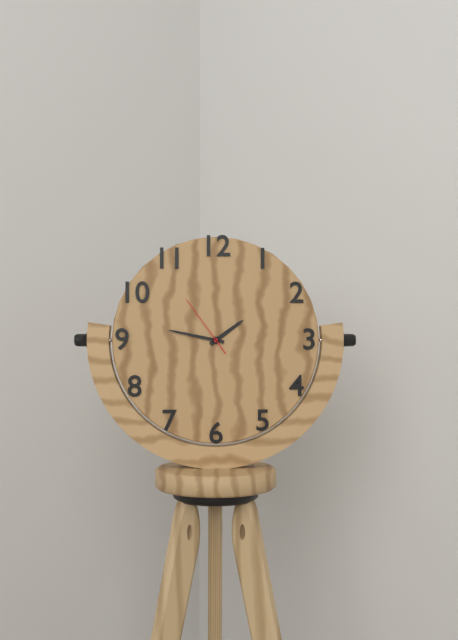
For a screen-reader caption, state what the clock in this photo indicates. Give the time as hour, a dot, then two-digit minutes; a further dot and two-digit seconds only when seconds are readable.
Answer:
1.47.54
